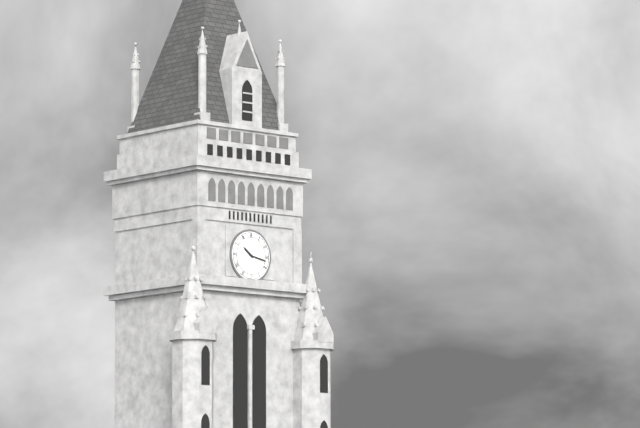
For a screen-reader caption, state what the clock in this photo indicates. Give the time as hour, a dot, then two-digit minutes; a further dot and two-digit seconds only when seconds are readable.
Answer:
10.17
